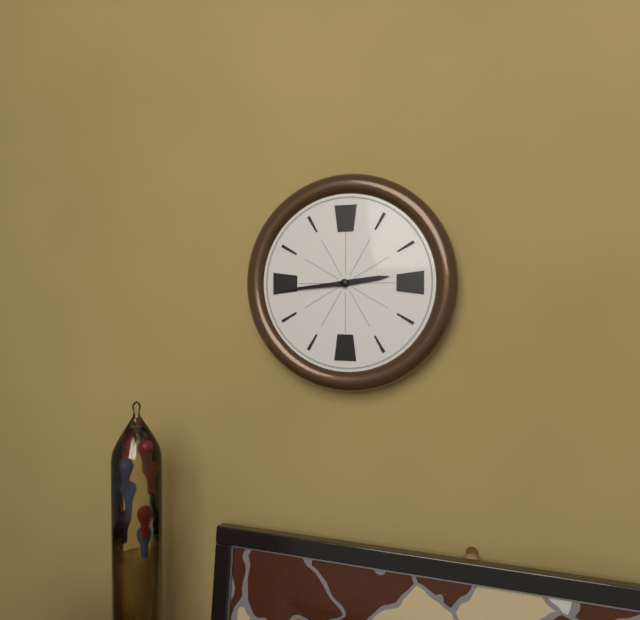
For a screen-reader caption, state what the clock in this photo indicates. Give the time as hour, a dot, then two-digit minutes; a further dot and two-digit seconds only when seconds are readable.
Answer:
2.44
